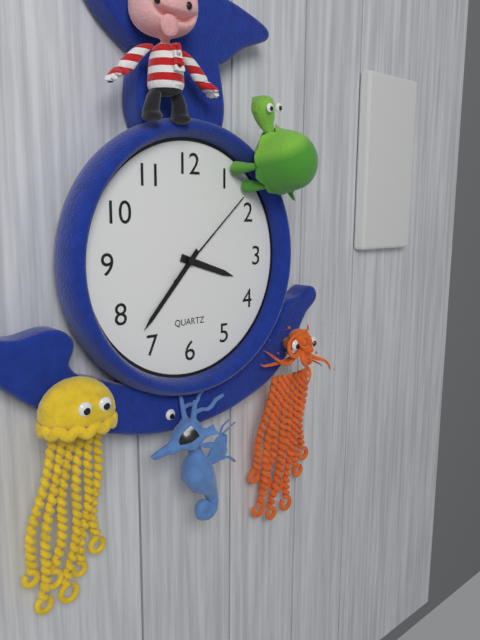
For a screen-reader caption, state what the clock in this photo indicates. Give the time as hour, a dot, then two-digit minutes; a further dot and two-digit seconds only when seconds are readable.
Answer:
3.37.08
